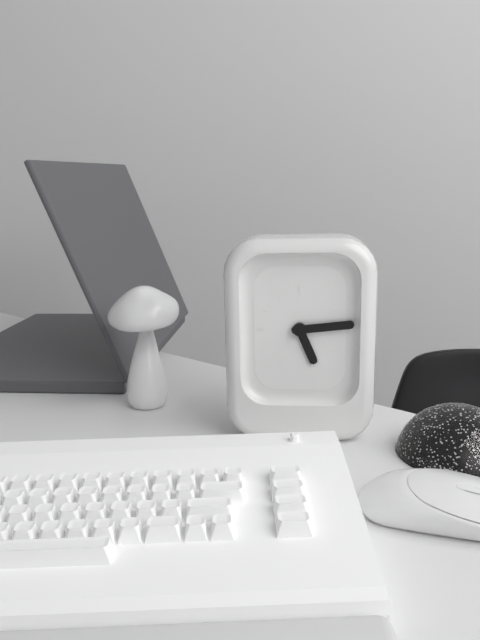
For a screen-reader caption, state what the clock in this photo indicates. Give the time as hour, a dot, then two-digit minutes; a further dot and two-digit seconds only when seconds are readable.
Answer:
5.14
